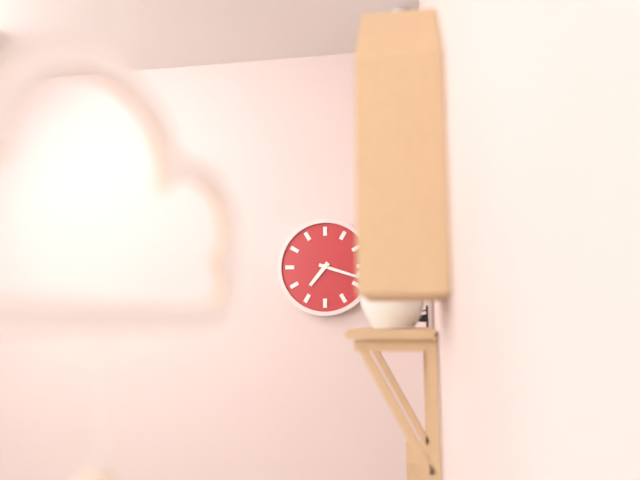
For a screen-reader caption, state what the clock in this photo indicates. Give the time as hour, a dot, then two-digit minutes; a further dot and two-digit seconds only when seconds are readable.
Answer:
7.18
